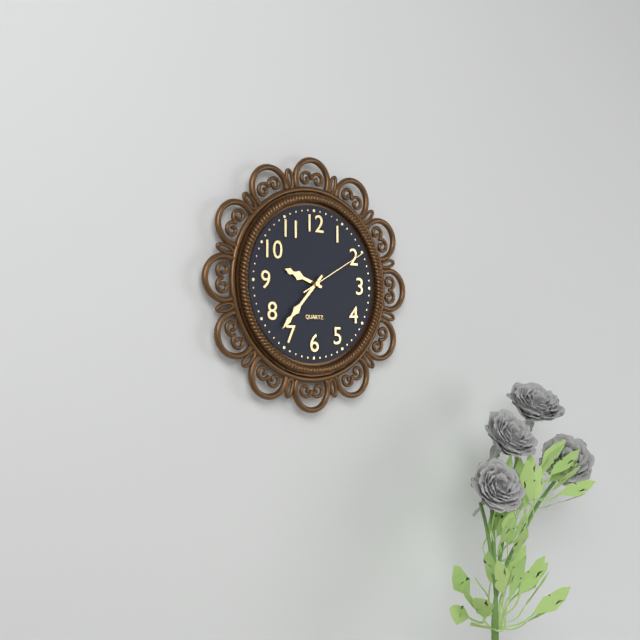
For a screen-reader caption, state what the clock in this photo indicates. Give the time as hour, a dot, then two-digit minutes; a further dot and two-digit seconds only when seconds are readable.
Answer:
9.37.10
